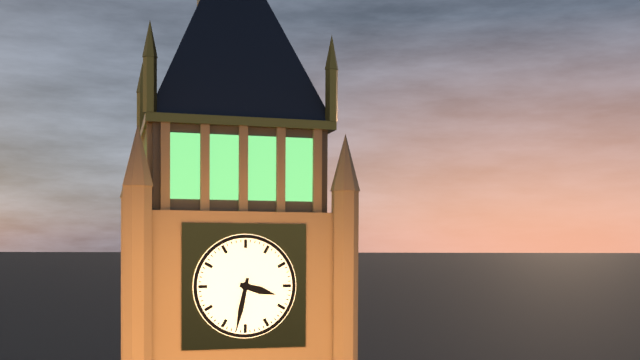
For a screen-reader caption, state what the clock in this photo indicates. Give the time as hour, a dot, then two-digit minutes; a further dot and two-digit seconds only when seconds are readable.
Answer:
3.32
